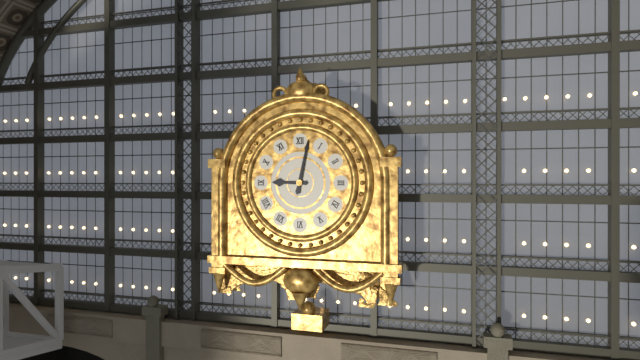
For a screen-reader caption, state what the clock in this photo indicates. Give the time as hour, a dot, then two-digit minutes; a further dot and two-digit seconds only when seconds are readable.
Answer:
9.02
